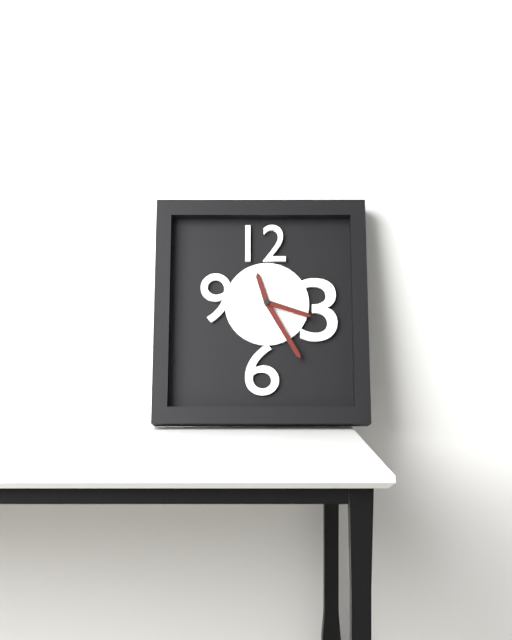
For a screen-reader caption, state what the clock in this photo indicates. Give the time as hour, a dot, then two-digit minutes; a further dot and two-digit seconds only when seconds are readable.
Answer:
11.25.18
